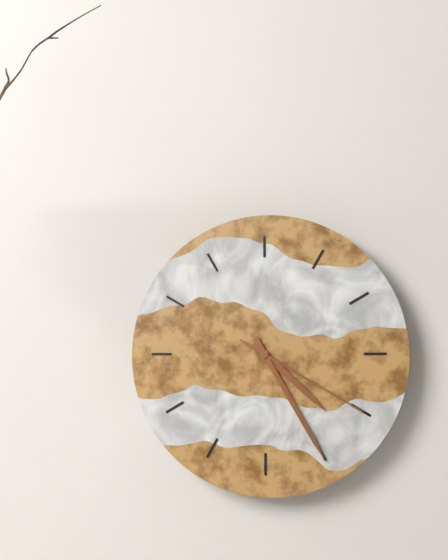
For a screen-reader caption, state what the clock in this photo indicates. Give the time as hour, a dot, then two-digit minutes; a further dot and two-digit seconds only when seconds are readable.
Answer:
4.25.20
